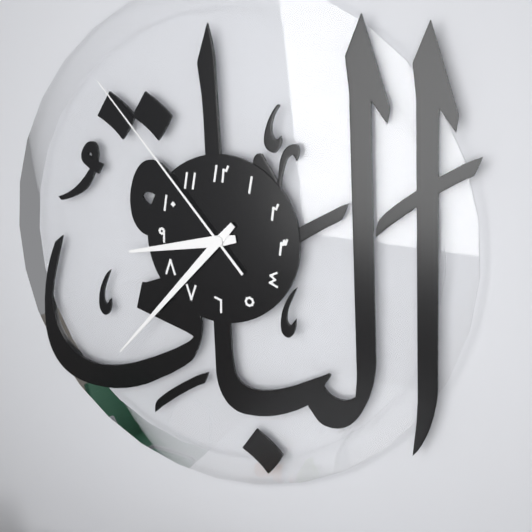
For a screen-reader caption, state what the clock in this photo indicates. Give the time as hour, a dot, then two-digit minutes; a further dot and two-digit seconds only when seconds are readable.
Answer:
8.37.53
